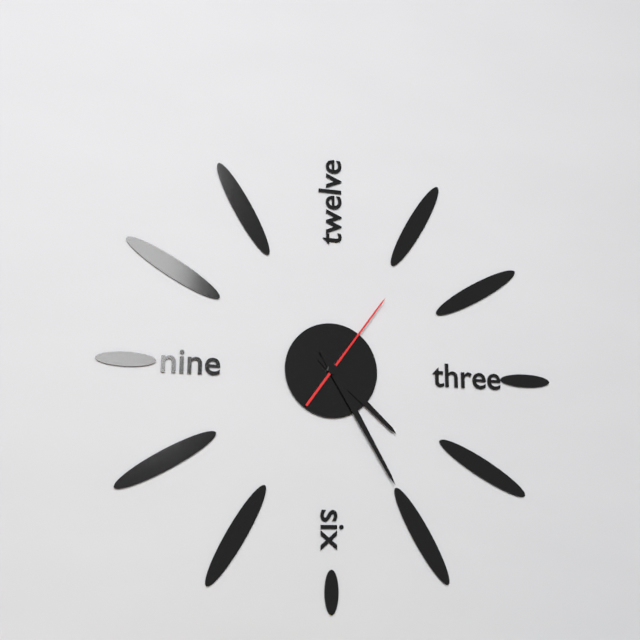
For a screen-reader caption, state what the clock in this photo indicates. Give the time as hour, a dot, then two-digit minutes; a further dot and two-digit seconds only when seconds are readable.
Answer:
4.25.06
